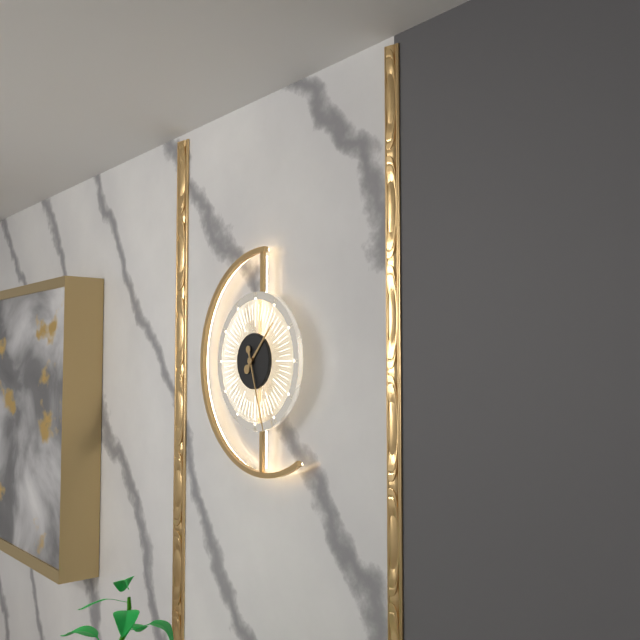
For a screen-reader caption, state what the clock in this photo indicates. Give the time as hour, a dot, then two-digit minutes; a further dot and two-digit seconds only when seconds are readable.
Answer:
1.27
